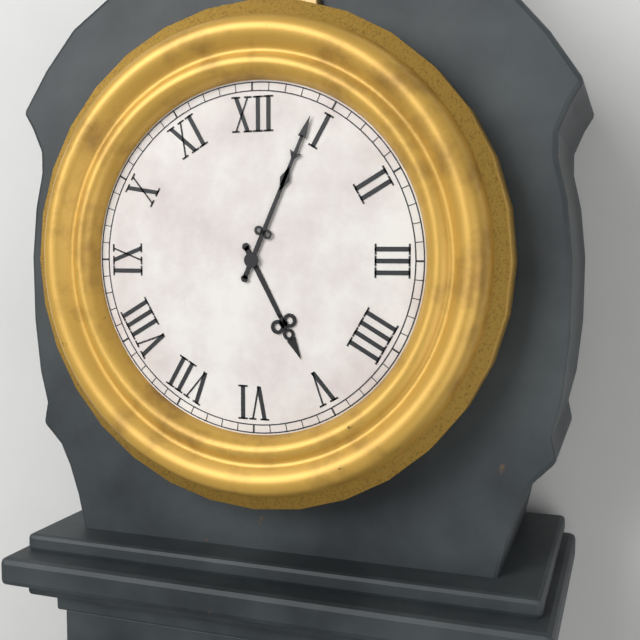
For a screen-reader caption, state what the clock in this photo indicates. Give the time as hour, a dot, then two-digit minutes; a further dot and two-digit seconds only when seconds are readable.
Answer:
5.04
